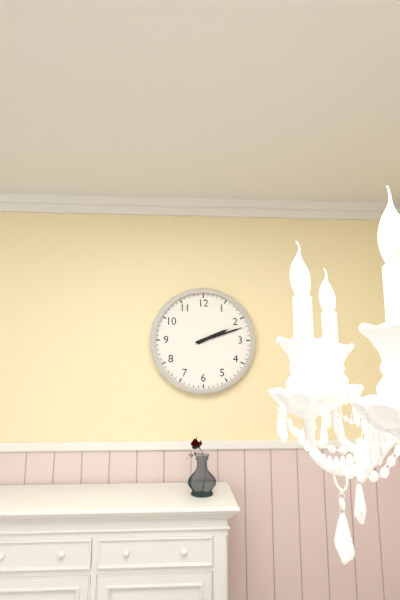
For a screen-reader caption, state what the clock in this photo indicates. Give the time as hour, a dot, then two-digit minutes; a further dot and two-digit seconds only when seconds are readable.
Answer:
2.12
